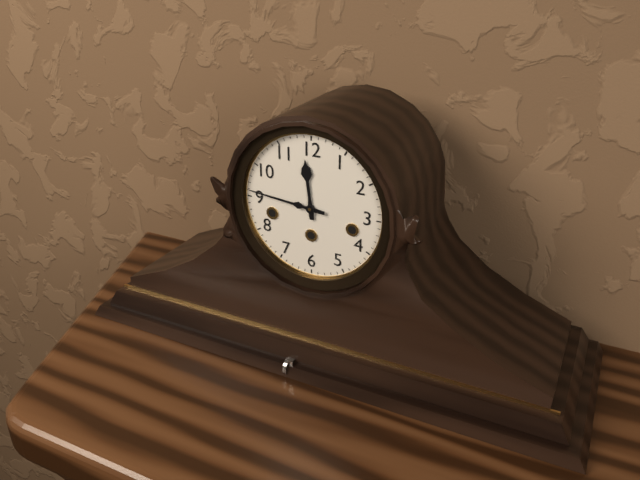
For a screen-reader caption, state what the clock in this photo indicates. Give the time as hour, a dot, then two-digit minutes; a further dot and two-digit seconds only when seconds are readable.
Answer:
11.46
